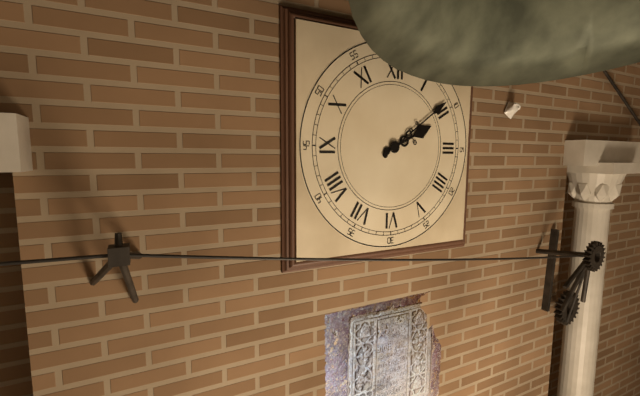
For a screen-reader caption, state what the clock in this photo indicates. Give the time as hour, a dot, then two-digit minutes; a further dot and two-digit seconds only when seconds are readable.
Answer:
2.09
